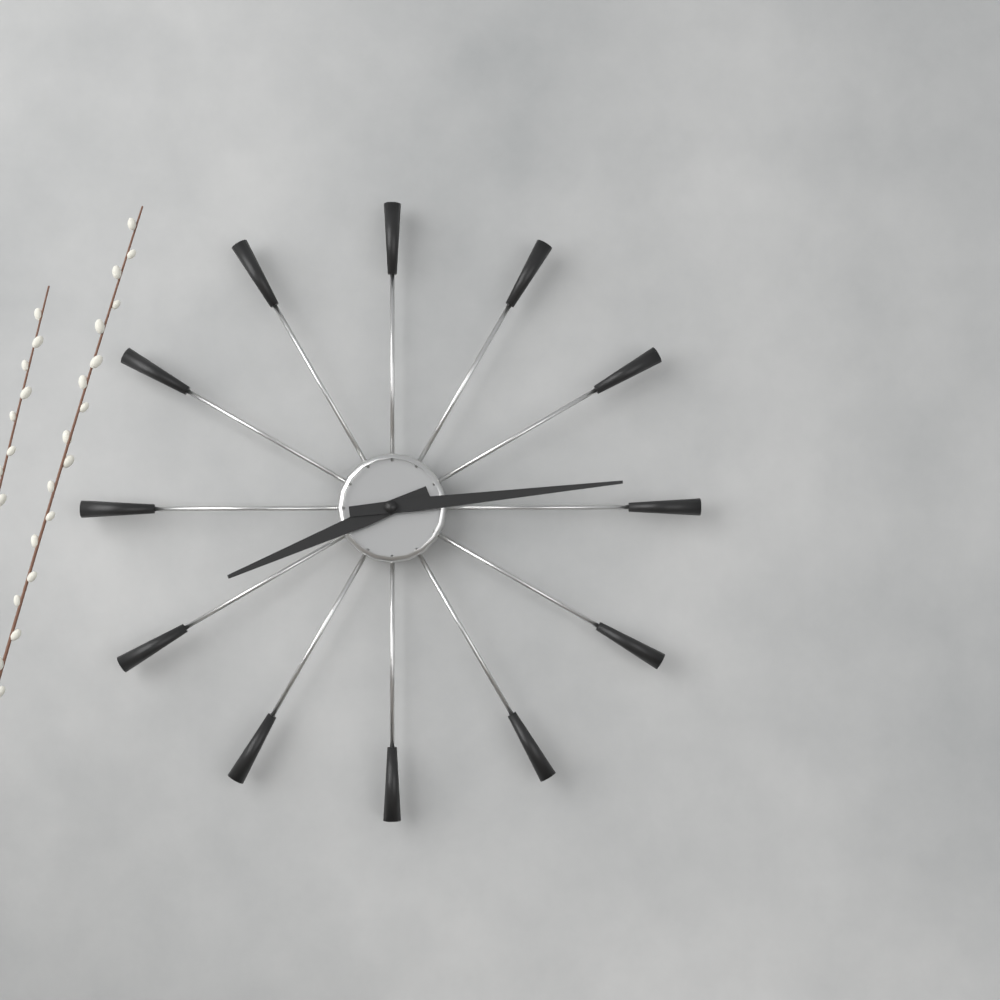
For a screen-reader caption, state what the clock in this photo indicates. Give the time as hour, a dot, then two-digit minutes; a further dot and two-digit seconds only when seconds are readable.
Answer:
8.14
